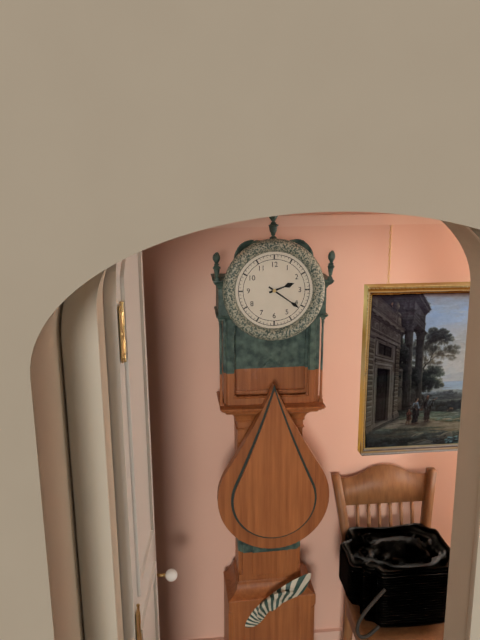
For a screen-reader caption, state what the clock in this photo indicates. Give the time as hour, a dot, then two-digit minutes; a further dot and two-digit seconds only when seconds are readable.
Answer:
2.21
